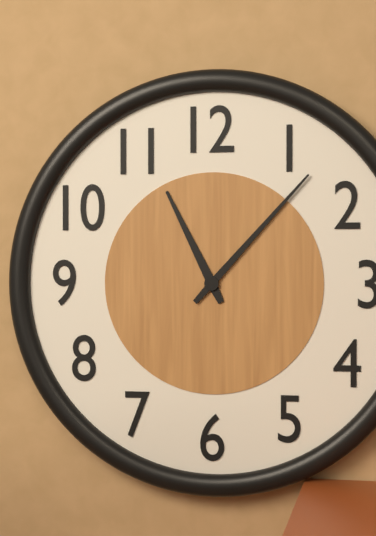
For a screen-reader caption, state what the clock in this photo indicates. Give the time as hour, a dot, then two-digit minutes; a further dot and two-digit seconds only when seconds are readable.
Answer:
11.07
